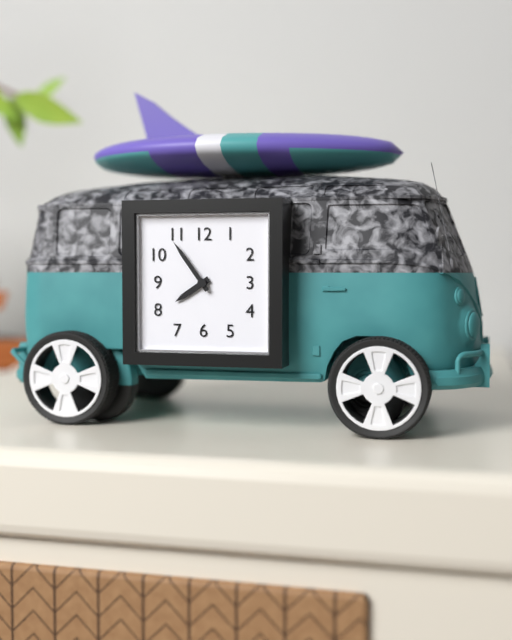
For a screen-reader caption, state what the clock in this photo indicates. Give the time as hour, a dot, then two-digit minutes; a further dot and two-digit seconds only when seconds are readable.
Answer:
7.54
